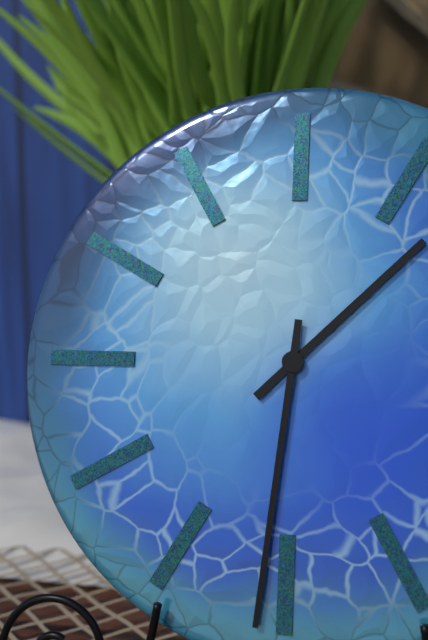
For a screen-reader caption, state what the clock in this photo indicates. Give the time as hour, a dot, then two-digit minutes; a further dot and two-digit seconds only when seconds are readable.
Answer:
1.31
